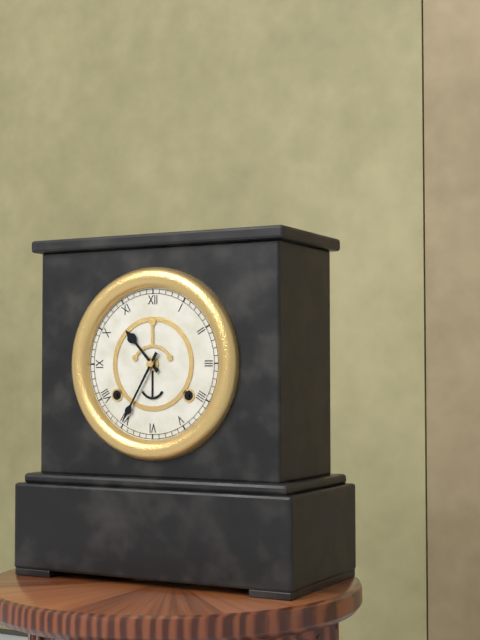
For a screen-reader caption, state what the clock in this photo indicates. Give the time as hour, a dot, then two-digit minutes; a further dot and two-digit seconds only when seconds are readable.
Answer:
10.35
